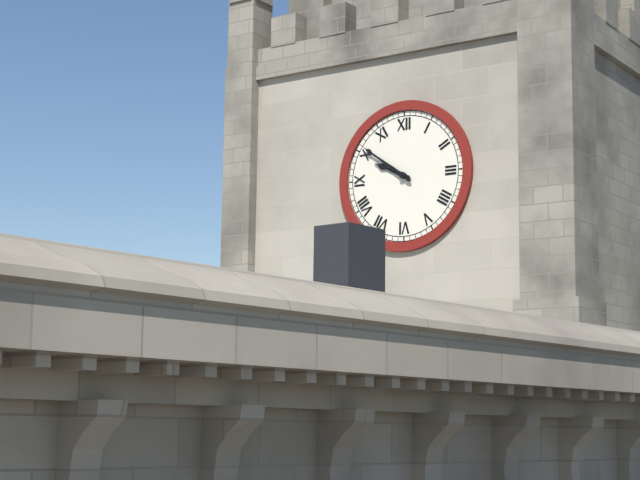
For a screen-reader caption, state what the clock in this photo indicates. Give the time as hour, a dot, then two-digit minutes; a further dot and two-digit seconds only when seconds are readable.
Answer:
9.51
